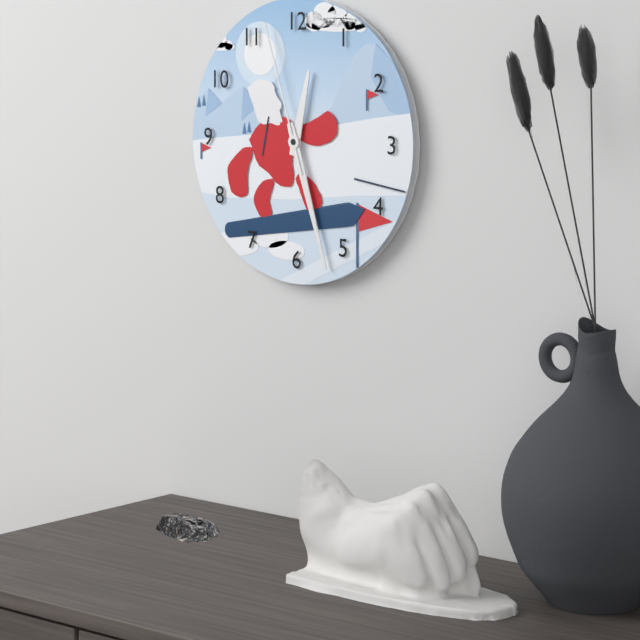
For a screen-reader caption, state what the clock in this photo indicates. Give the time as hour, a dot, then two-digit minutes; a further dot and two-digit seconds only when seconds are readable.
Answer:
12.27.57
